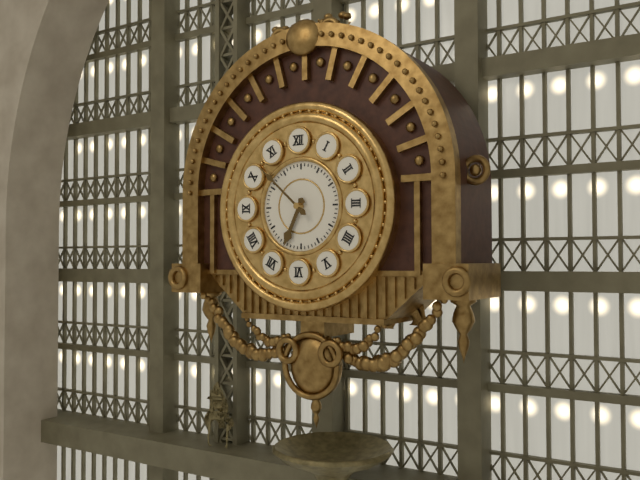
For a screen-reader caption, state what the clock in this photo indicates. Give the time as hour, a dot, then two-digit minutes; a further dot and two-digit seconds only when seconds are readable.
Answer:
6.52
